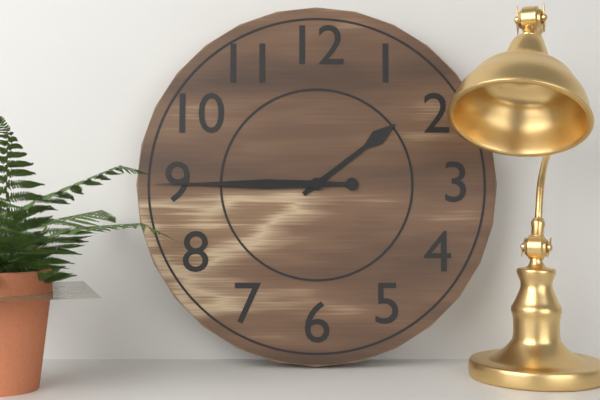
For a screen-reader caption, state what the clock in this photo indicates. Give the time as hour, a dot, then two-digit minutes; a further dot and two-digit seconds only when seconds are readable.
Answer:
1.45
